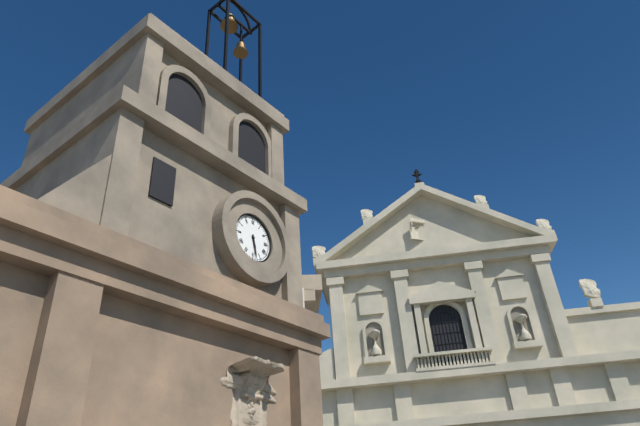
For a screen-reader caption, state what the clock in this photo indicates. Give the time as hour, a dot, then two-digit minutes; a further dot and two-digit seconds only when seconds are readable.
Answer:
5.28
